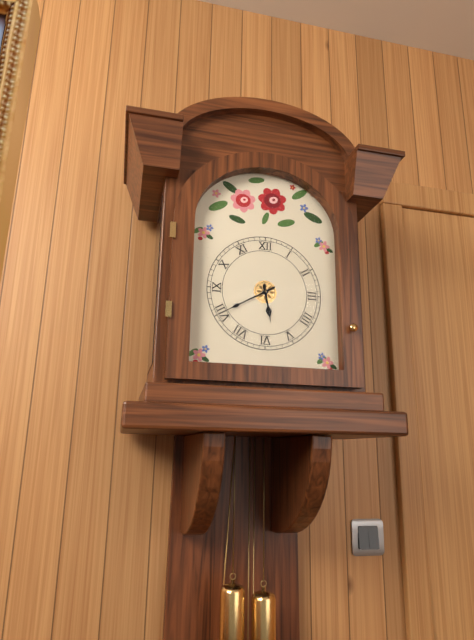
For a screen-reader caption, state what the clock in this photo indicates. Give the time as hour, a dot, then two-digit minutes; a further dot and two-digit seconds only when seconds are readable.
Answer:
5.40
